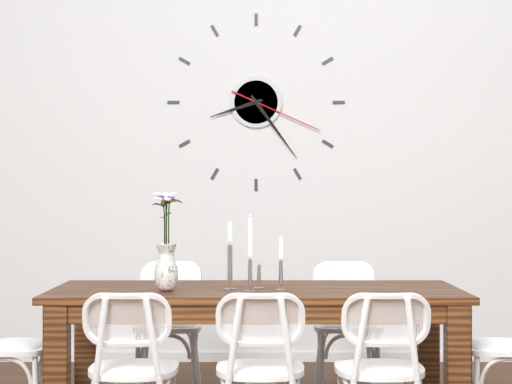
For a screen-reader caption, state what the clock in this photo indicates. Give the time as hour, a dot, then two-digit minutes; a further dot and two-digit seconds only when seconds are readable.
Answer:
8.24.19
